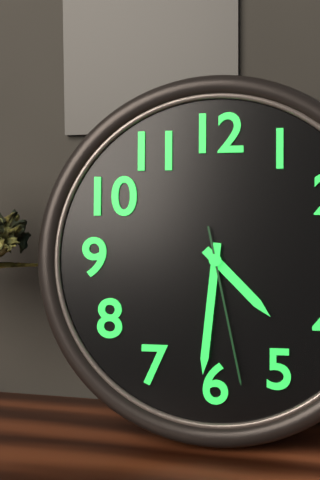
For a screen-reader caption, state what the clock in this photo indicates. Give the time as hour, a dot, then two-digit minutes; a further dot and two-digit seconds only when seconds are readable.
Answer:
4.31.28
